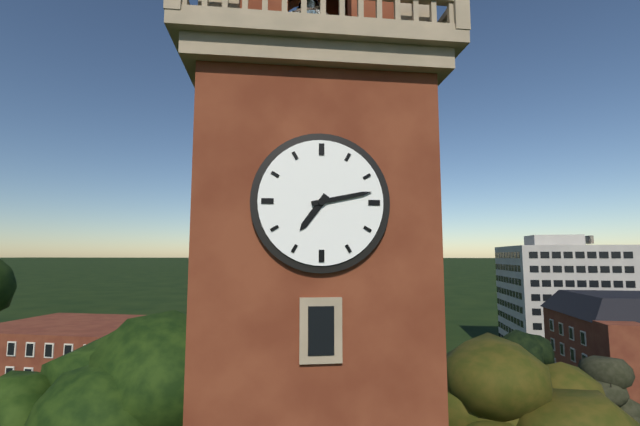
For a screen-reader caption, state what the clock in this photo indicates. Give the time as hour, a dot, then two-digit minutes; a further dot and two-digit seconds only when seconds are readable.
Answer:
7.13
